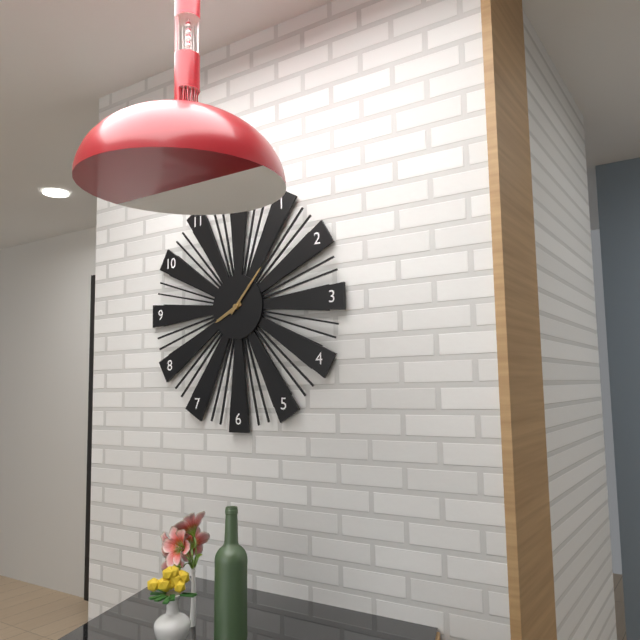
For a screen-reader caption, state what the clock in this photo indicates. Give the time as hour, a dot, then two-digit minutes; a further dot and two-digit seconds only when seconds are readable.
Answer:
8.07
